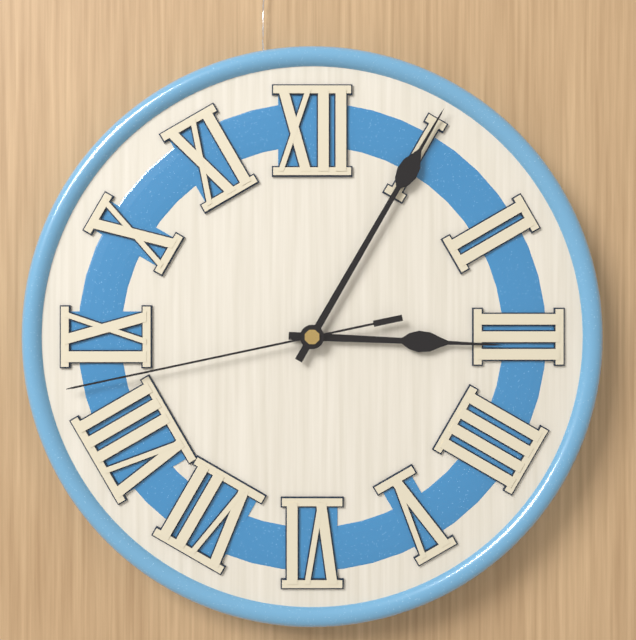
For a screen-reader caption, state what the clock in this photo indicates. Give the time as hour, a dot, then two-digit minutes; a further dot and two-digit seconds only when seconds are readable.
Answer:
3.05.43
